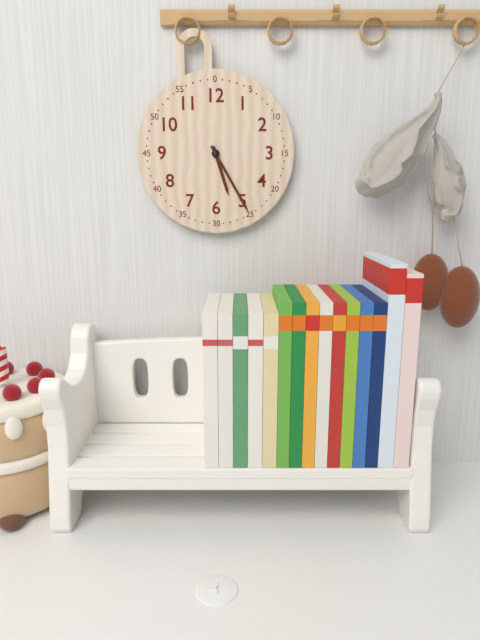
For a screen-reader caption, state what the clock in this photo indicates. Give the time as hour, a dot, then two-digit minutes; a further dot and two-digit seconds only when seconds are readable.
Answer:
5.25
